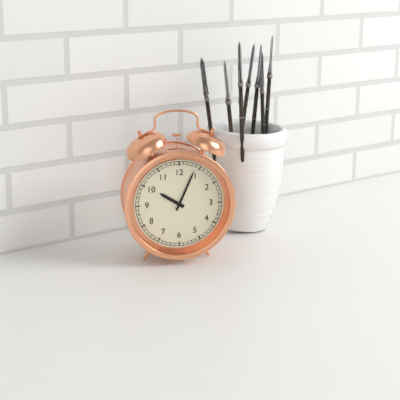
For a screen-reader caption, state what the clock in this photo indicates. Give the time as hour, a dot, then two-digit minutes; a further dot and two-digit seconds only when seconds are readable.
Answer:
10.04
